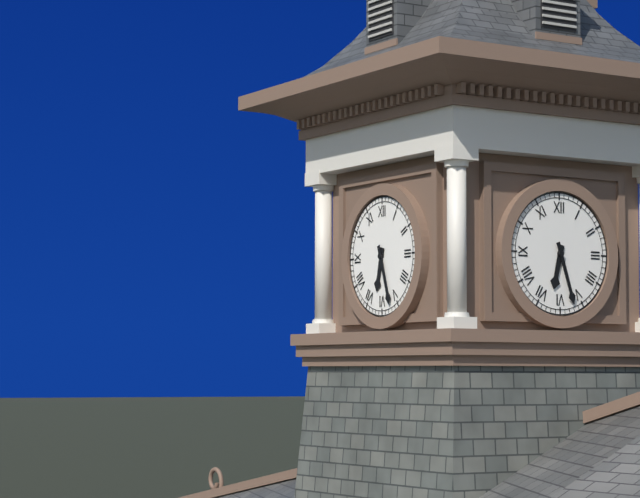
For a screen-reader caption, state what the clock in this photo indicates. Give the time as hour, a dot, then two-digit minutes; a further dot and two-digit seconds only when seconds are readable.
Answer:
6.27
